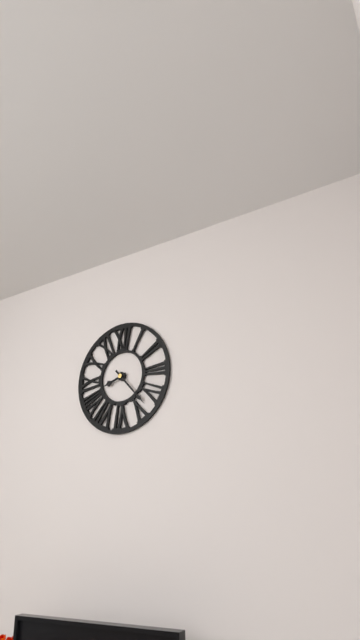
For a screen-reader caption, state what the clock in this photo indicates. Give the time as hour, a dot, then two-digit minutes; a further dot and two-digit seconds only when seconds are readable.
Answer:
8.23
